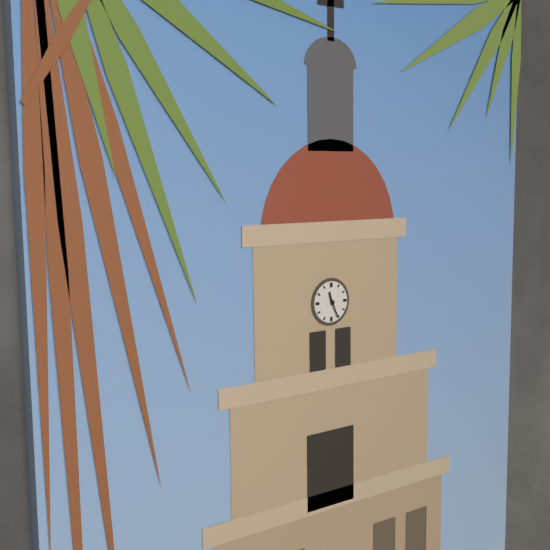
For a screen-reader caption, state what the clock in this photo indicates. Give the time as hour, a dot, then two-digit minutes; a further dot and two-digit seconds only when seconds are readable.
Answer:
11.26
